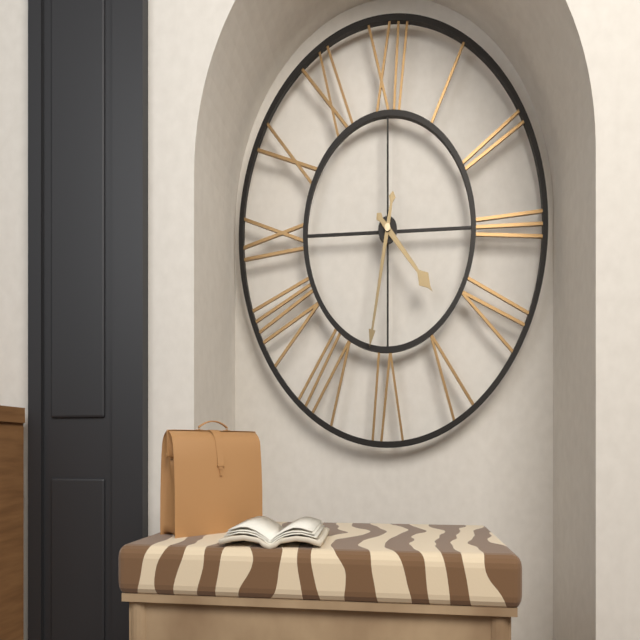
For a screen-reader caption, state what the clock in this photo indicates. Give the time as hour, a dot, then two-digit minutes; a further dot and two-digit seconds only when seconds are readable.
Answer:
4.32
